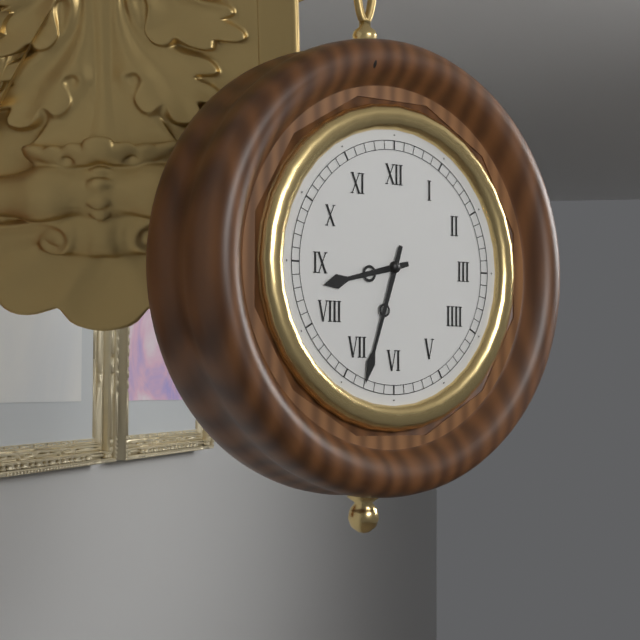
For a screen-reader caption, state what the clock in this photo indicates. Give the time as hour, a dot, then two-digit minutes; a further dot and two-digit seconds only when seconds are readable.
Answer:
8.33
